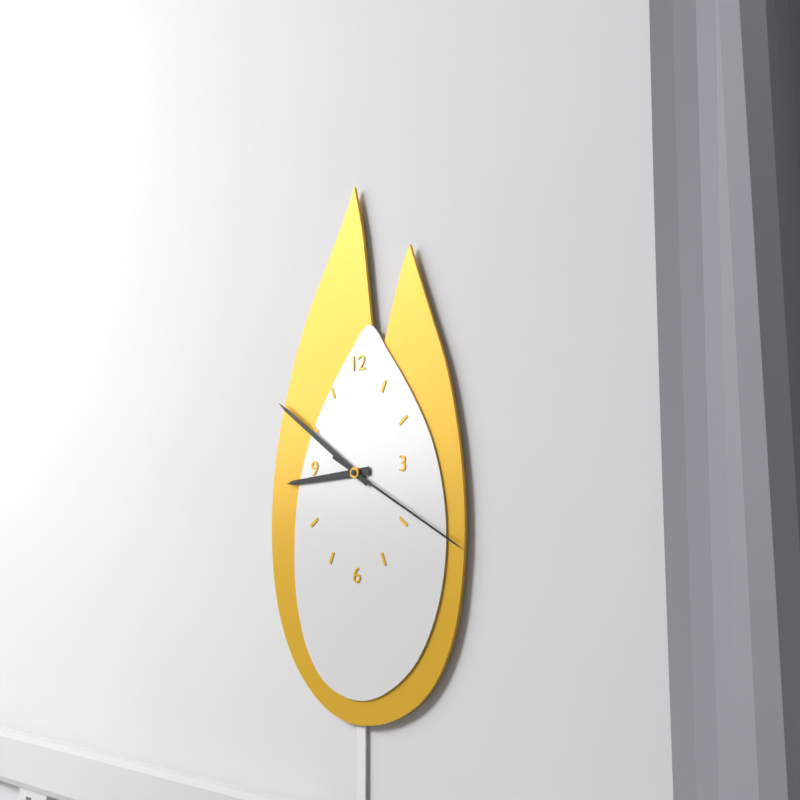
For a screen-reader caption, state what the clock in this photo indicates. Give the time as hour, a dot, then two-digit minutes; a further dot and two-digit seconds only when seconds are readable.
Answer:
8.51.20
